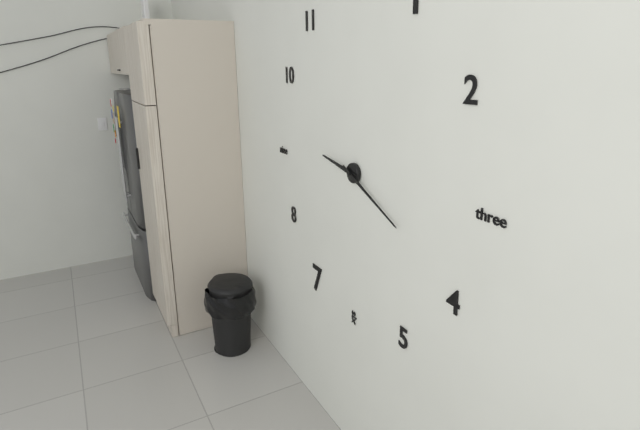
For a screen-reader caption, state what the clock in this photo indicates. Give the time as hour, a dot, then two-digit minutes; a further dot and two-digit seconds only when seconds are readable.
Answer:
9.19
